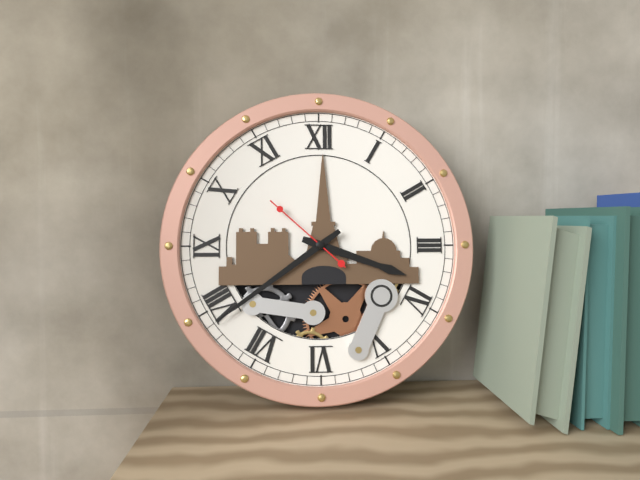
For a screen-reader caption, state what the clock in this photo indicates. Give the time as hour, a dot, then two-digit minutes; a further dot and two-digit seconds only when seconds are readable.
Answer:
3.39.52
